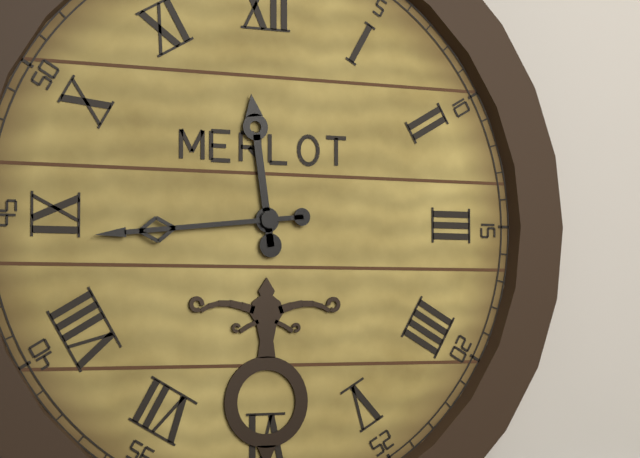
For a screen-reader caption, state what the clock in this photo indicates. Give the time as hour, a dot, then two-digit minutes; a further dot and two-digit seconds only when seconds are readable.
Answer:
11.44
